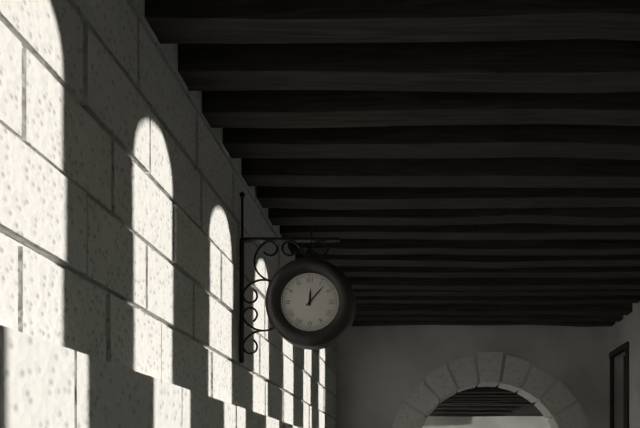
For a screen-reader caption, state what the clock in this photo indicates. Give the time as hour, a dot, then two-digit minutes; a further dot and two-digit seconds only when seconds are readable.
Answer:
12.07
